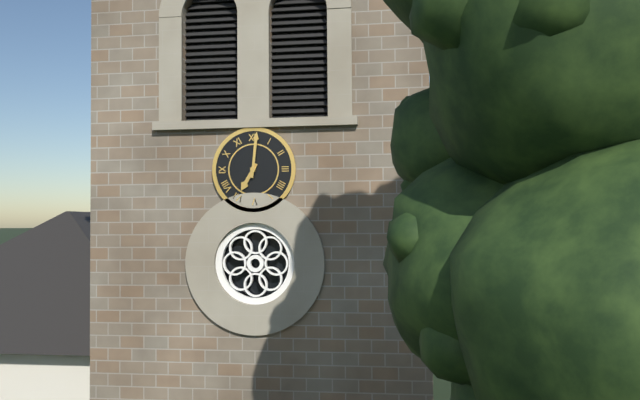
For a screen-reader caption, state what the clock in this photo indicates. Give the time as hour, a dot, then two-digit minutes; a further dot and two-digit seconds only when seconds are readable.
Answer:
7.01
